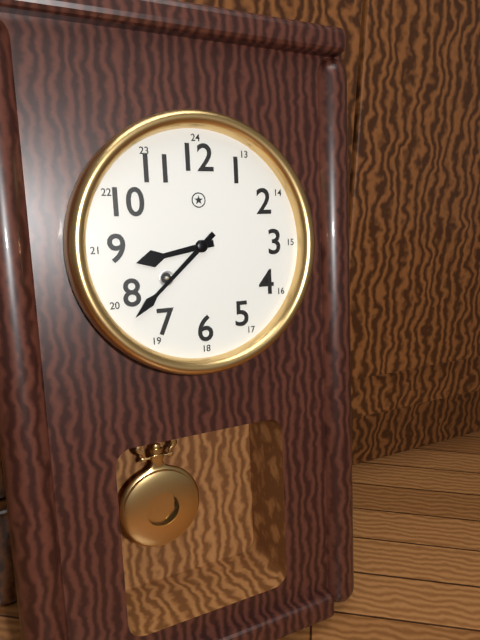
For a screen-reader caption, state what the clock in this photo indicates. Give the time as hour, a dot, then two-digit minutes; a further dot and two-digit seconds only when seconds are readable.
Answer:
8.38
